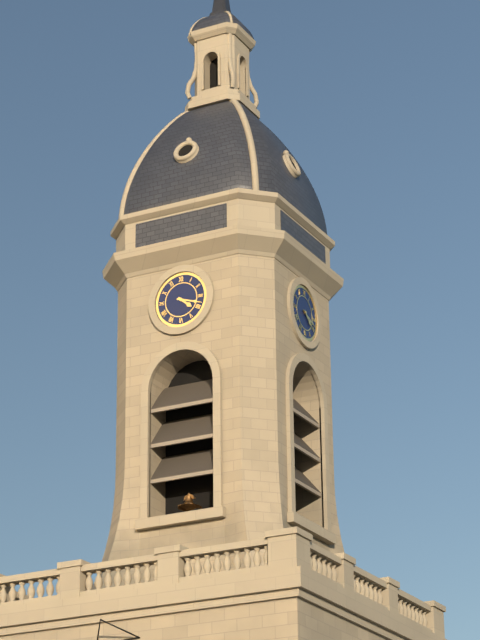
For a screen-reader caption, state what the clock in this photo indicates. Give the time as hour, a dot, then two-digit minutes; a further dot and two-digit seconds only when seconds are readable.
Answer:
4.18
